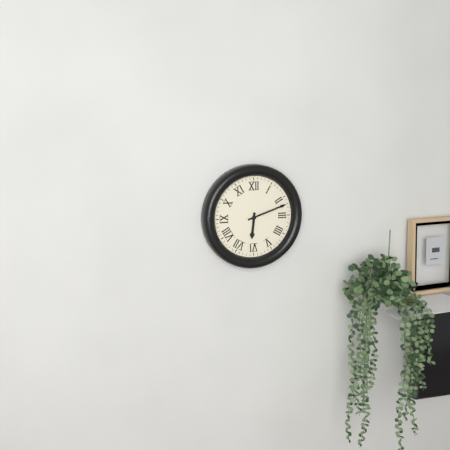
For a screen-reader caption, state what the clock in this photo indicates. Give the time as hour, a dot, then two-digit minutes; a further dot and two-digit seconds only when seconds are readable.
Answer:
6.12
